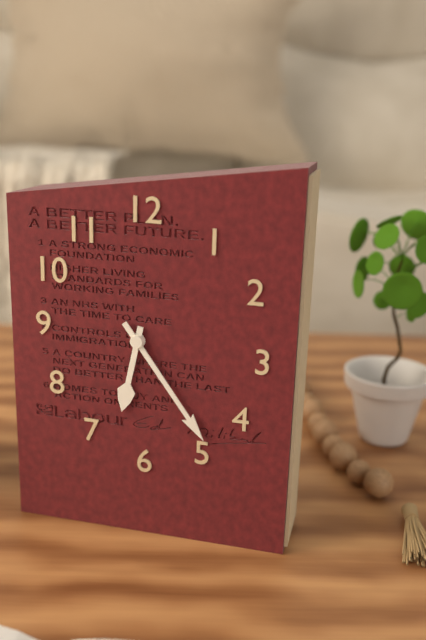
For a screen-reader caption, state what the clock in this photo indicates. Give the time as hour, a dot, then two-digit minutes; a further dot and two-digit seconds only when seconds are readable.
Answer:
6.24
